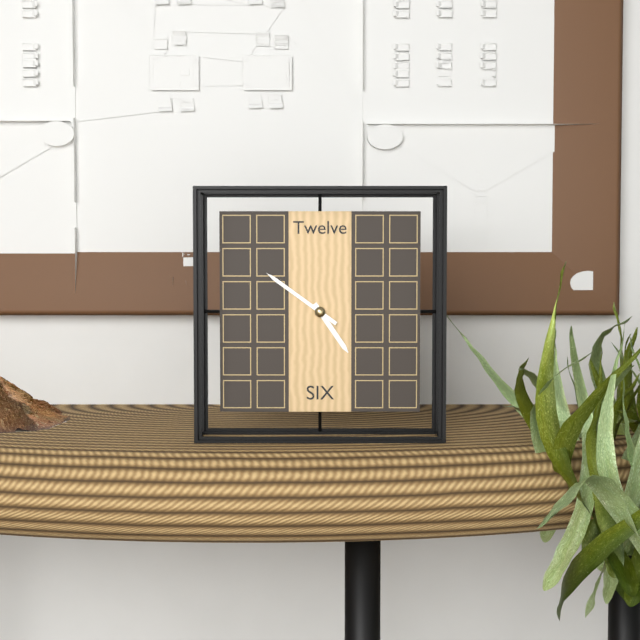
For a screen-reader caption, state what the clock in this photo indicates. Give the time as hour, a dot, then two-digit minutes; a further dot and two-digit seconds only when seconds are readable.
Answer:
4.51
